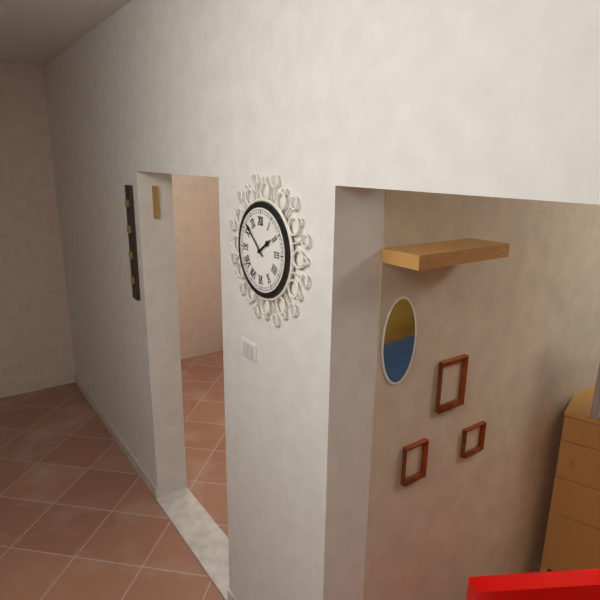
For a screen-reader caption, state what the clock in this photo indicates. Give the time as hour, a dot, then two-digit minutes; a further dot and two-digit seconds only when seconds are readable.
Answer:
1.52
